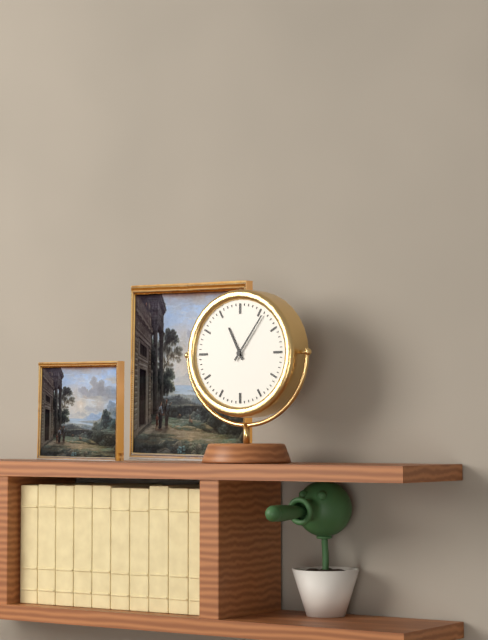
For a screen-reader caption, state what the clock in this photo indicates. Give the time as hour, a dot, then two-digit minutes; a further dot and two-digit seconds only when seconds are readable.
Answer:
11.06
